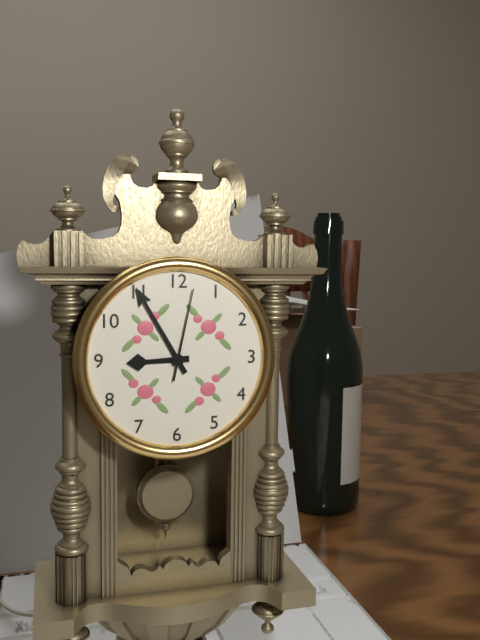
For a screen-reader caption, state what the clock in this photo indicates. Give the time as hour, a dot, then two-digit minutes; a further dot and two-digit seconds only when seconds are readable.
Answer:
8.55.02
